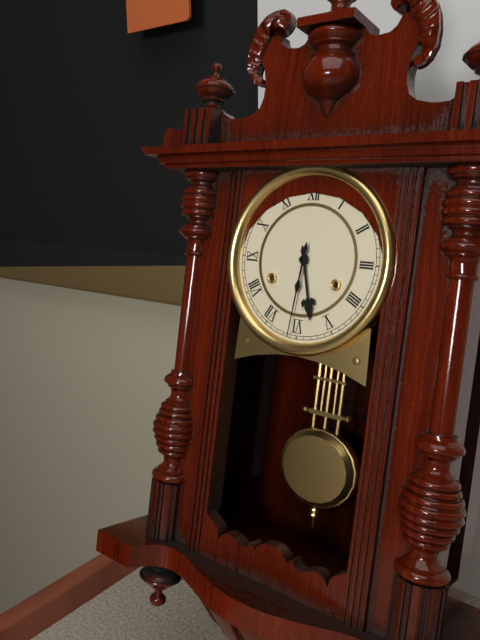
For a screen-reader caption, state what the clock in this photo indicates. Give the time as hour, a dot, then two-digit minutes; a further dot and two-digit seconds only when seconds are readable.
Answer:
5.31
